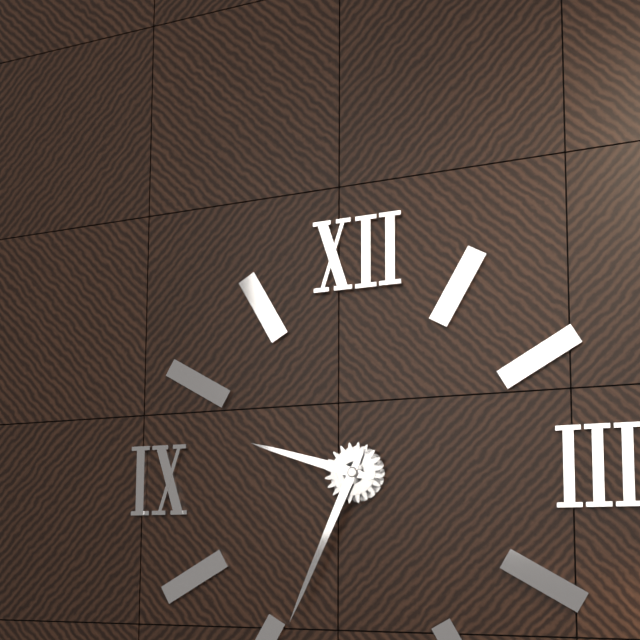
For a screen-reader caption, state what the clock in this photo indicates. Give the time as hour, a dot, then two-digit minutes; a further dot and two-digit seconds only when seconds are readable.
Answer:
9.34
